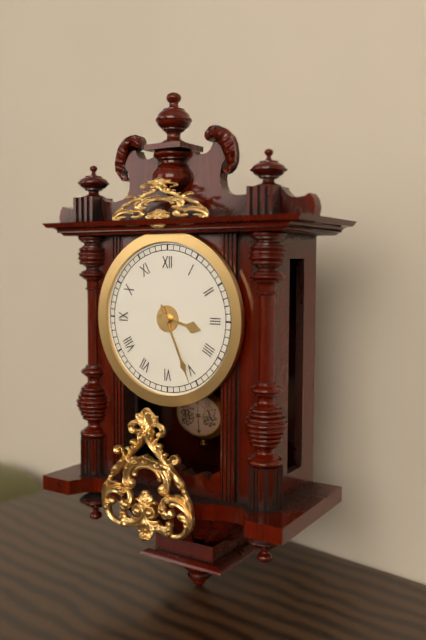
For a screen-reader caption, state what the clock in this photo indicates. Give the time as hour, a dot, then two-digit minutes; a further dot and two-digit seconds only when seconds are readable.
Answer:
3.26
